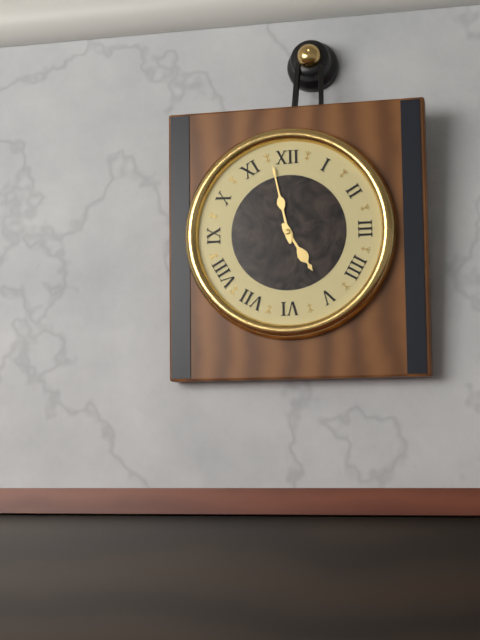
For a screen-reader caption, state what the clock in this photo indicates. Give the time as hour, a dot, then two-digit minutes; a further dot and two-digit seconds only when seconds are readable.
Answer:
4.58
